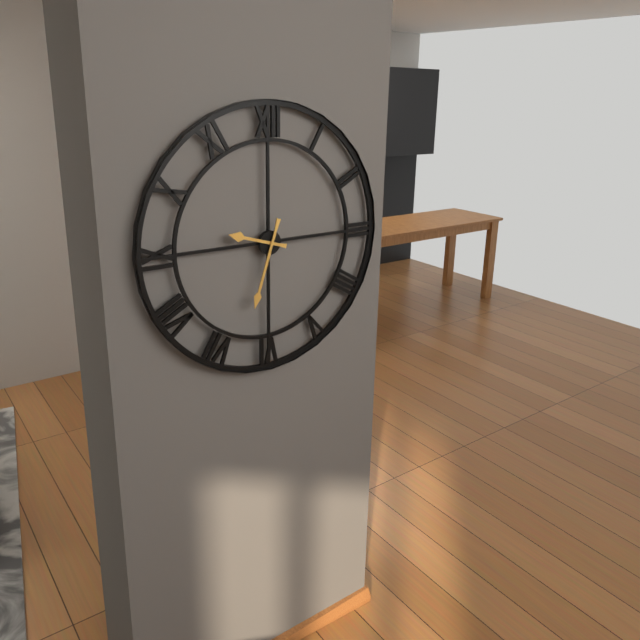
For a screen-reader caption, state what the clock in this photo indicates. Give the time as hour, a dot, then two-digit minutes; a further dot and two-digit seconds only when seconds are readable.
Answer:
9.33
